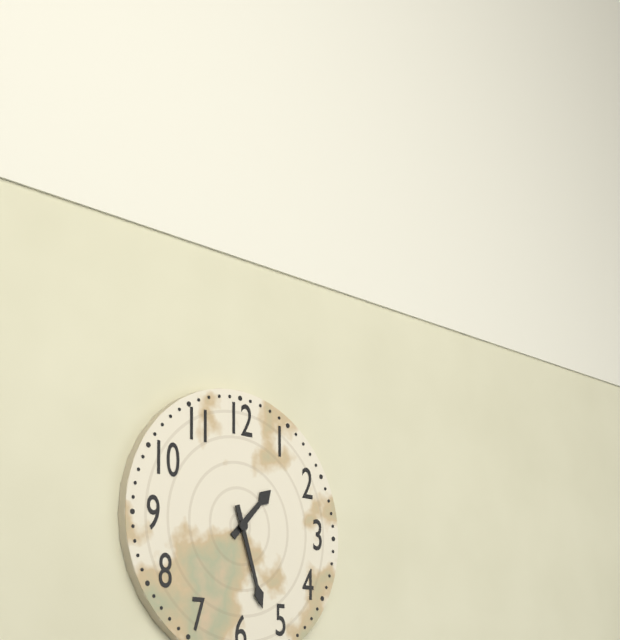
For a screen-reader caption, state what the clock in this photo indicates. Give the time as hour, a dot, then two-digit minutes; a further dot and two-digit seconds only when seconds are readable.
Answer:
1.27
